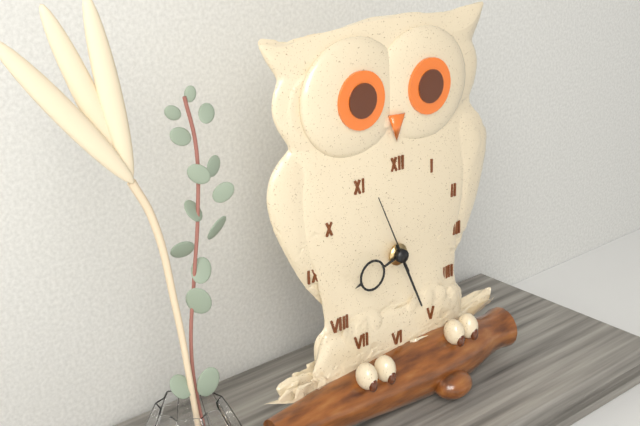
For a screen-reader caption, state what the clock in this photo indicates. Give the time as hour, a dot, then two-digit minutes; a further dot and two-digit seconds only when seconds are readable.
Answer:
8.26.56
